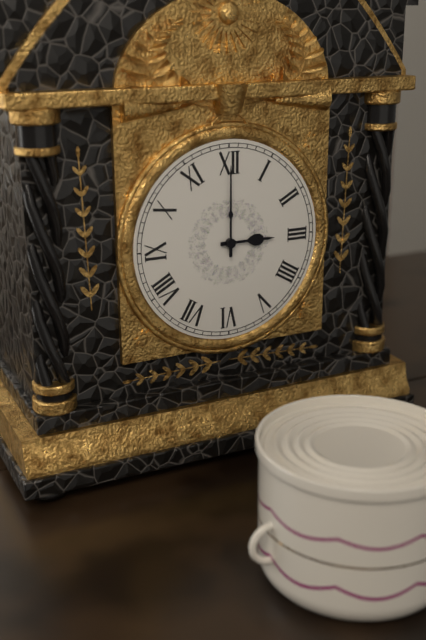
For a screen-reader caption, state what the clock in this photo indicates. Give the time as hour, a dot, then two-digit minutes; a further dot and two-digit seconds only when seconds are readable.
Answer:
3.00
